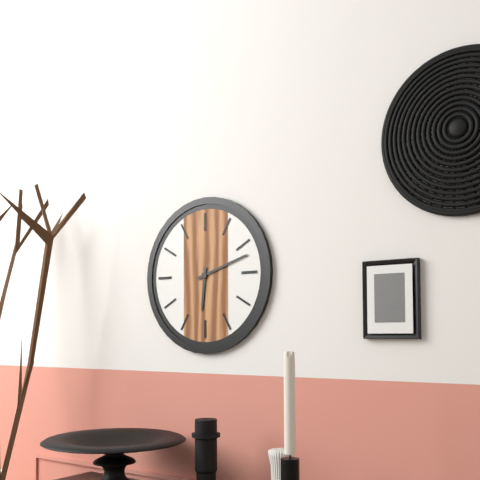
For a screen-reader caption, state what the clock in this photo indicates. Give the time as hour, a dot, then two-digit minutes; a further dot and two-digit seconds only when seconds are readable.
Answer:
6.12
